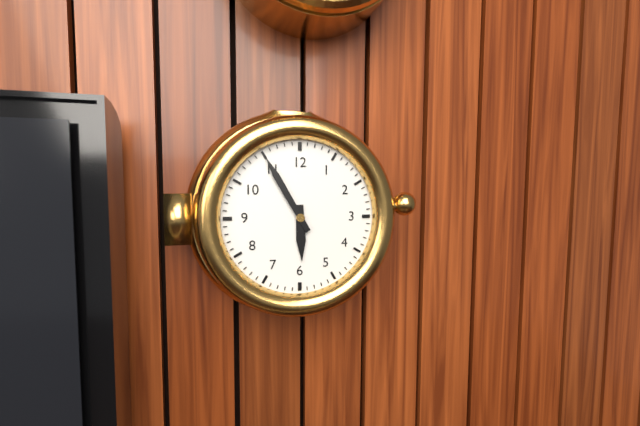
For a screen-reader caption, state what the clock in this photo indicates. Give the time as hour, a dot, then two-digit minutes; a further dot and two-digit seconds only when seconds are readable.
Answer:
5.55
